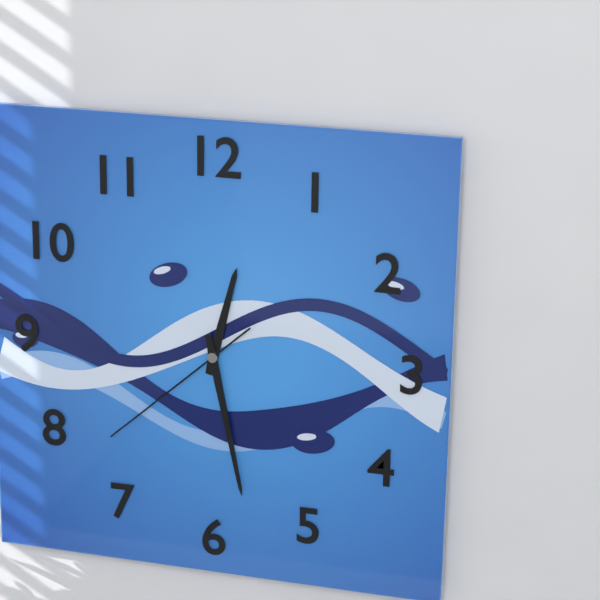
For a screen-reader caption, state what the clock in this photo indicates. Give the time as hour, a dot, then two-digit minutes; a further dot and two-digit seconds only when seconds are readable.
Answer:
12.28.38
